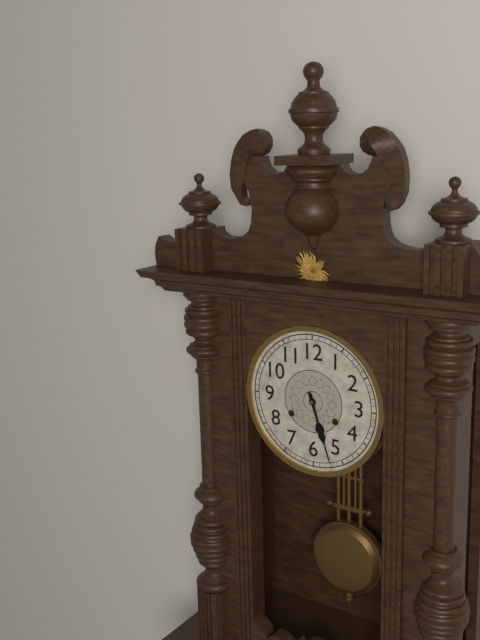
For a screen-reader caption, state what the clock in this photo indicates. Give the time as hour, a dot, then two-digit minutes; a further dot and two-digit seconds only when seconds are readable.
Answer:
5.27
